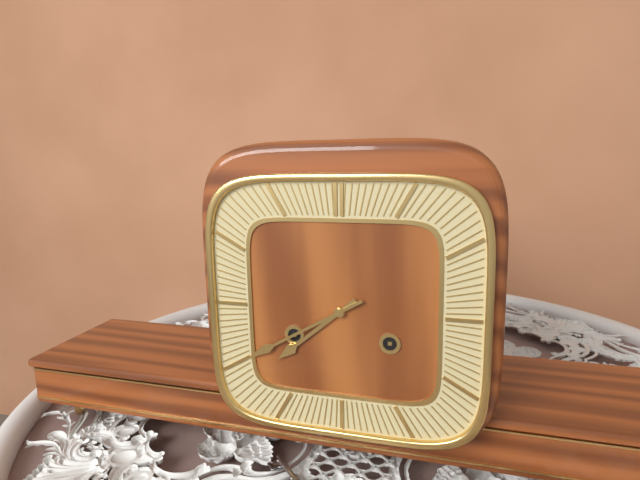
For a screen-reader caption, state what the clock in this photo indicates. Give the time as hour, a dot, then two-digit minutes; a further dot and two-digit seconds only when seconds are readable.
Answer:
7.40
